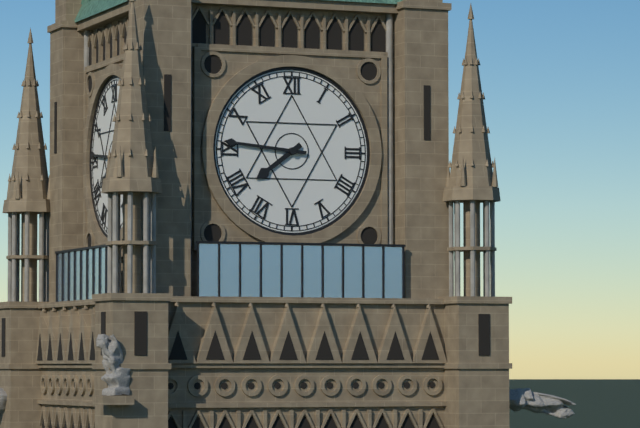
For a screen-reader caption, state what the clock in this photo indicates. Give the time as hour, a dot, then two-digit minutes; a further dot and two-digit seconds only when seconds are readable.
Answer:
7.46
